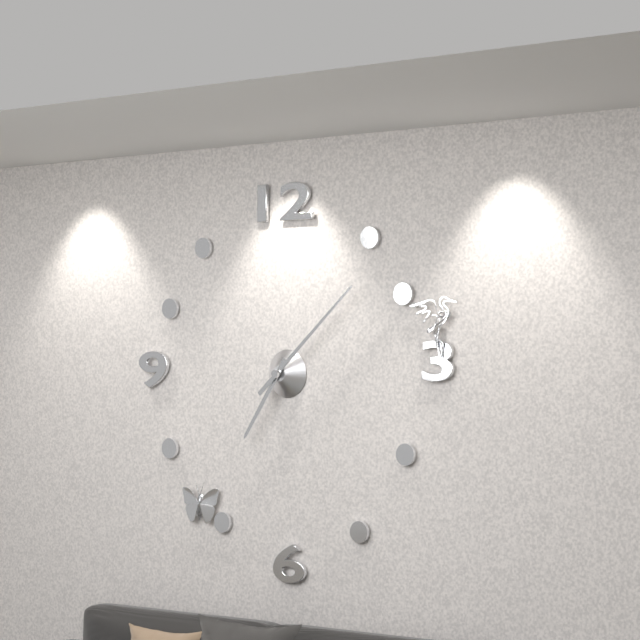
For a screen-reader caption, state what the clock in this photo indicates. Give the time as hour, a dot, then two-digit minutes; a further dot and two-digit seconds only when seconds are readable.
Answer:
7.08
